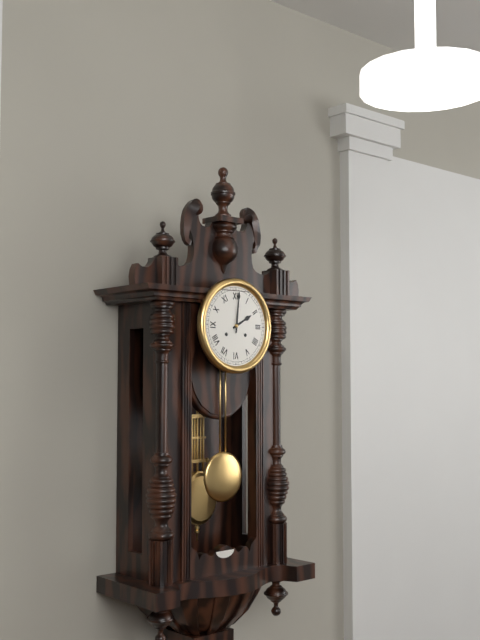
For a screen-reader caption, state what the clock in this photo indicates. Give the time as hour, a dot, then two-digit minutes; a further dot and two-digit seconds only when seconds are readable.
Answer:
2.01
